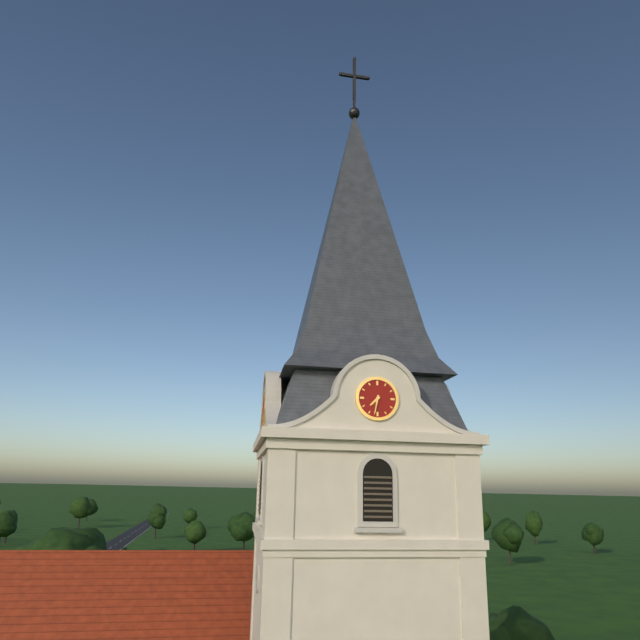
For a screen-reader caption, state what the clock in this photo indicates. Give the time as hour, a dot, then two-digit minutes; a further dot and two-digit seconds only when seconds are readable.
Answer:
7.32
